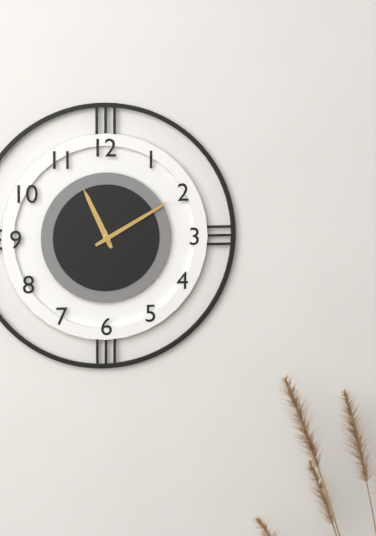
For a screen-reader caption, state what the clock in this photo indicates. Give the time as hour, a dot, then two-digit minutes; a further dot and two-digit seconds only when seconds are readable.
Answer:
11.10
